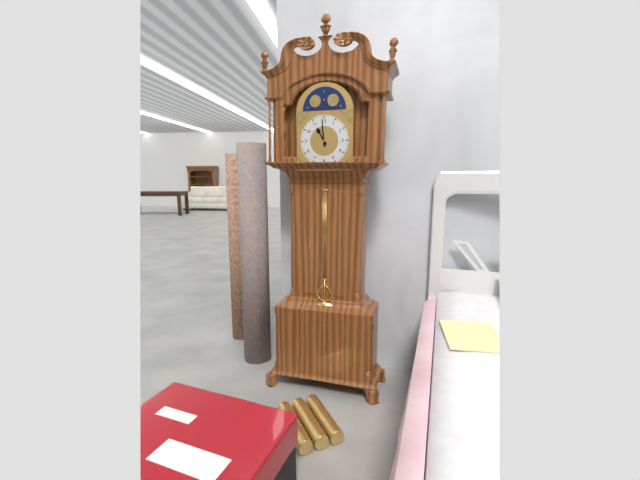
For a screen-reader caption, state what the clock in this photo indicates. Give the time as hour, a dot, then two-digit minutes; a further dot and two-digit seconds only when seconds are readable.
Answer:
10.59
